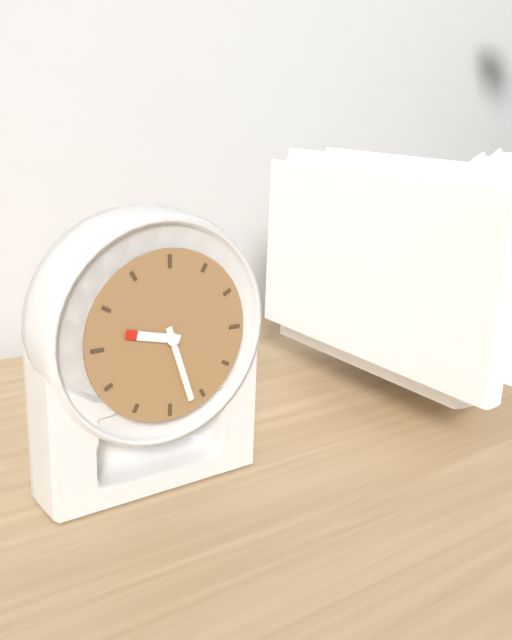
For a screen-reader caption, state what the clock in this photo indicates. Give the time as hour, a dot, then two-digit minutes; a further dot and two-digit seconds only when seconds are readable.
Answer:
9.27
